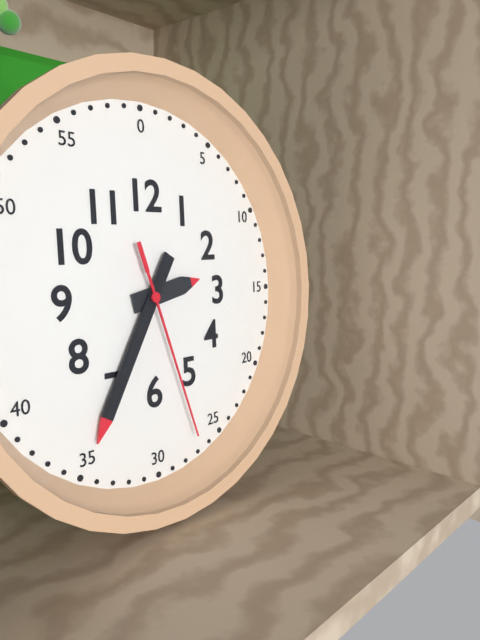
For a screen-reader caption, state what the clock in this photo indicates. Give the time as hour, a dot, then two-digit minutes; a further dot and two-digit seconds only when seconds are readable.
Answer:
2.35.27
